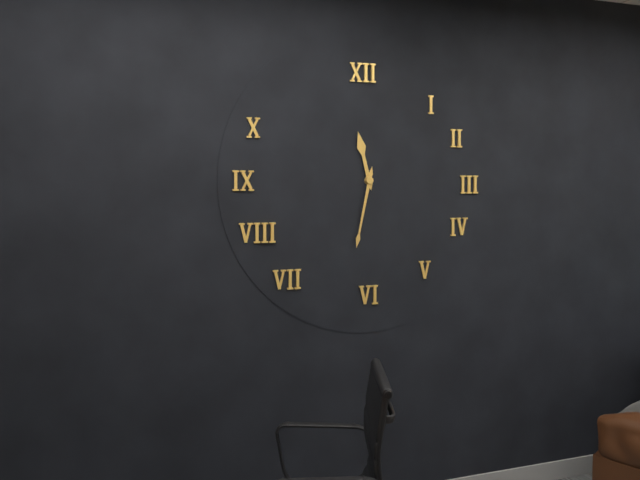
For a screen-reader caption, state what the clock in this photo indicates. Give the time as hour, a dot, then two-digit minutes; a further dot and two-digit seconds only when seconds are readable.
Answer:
11.32
